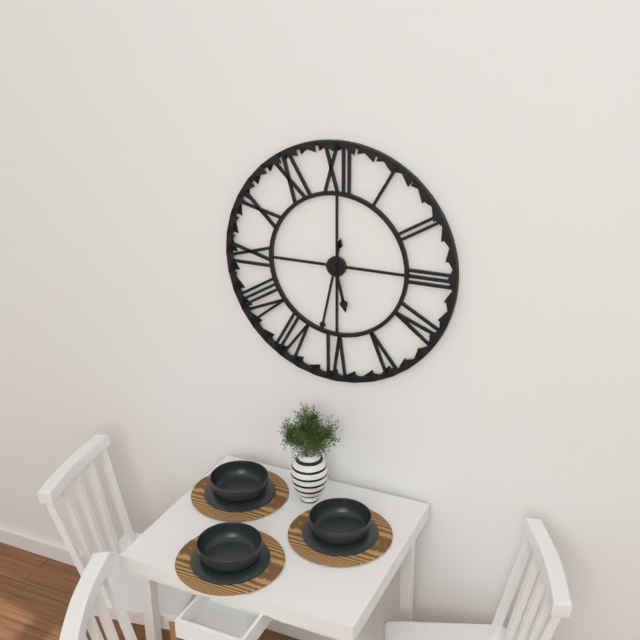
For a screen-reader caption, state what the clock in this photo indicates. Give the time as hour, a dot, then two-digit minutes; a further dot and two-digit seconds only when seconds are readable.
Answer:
5.32
